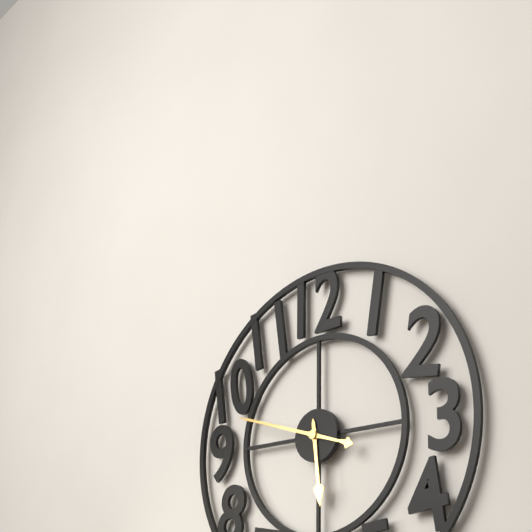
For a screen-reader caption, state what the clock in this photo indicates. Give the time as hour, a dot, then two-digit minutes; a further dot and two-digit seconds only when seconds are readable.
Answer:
5.48
